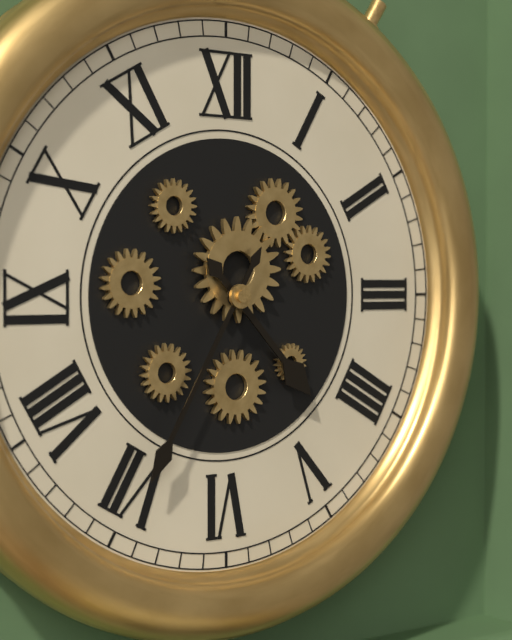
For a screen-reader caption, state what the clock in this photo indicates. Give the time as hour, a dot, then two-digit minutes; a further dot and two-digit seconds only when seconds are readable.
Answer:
4.35
